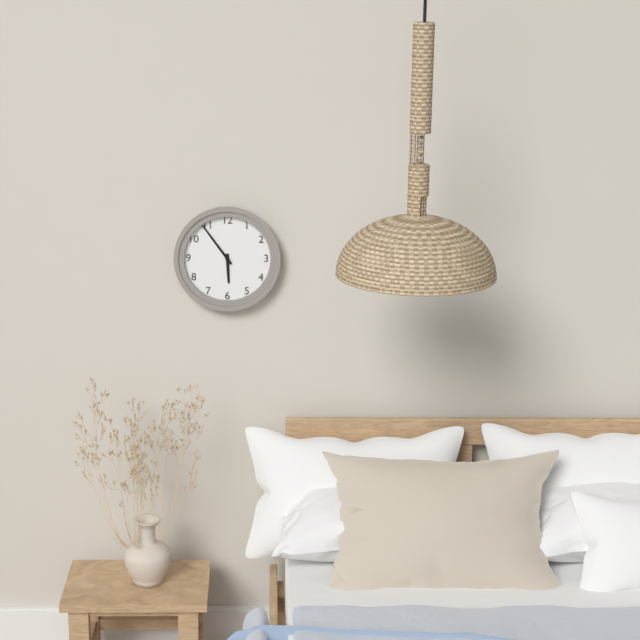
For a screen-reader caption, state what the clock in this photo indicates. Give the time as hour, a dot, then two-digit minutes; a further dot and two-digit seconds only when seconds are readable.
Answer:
5.54
